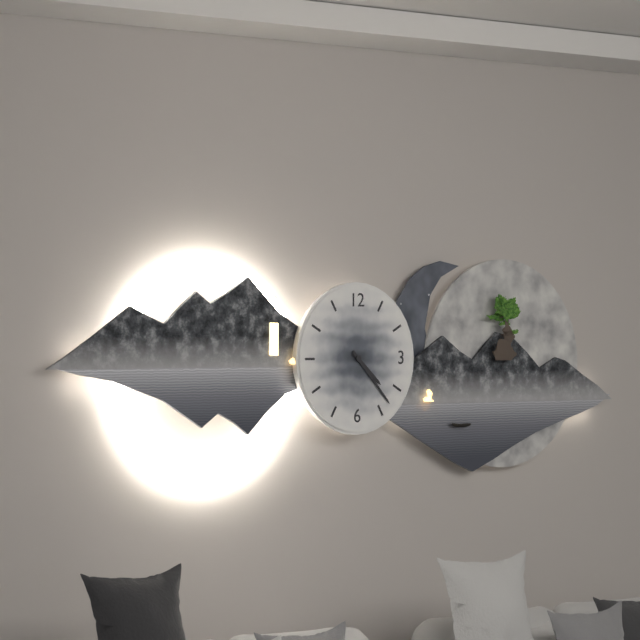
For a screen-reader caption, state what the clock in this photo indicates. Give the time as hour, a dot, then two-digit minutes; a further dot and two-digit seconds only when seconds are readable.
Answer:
4.23
